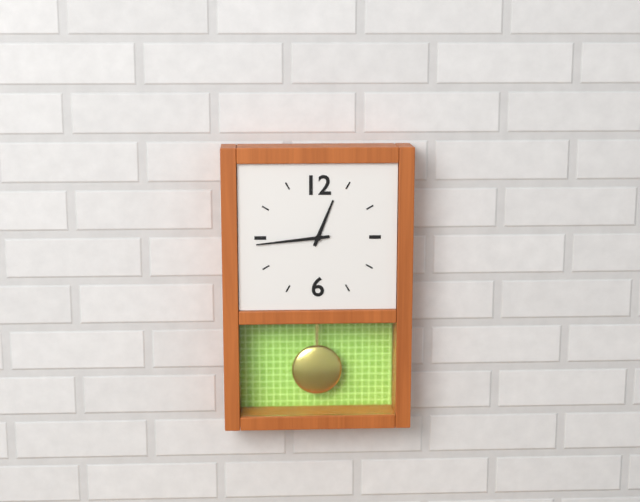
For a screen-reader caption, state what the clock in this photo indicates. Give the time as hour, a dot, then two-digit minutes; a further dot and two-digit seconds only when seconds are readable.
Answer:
12.44
